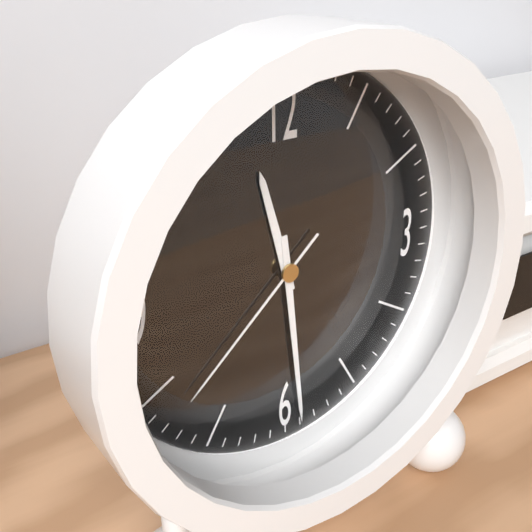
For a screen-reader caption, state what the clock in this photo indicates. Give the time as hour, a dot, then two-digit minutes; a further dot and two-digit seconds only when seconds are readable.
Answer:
11.29.38
